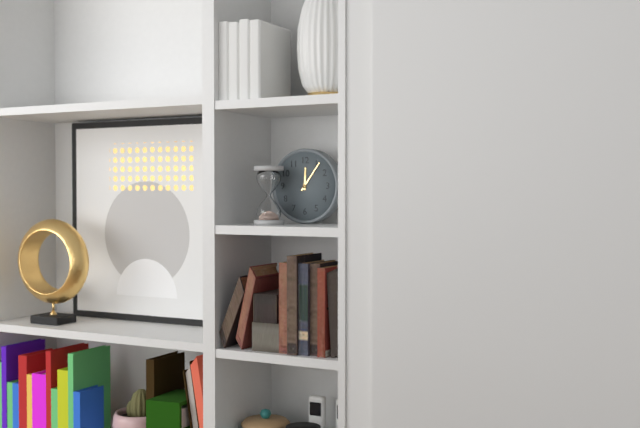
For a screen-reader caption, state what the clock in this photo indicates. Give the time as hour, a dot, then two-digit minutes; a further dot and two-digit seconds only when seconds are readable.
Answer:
12.06
